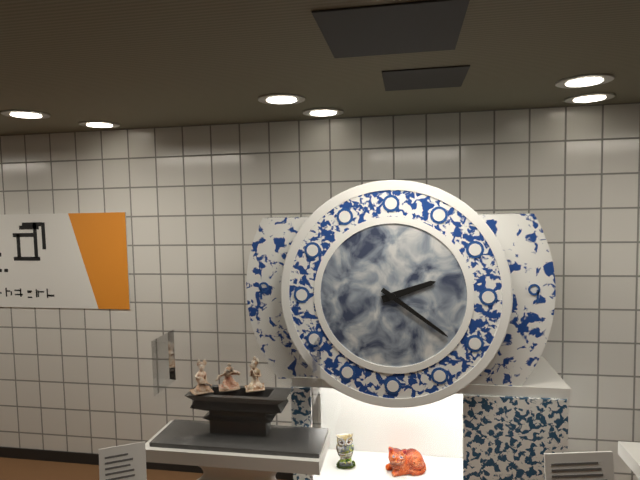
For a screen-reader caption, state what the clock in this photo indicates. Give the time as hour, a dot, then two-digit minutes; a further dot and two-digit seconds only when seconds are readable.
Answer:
2.21
